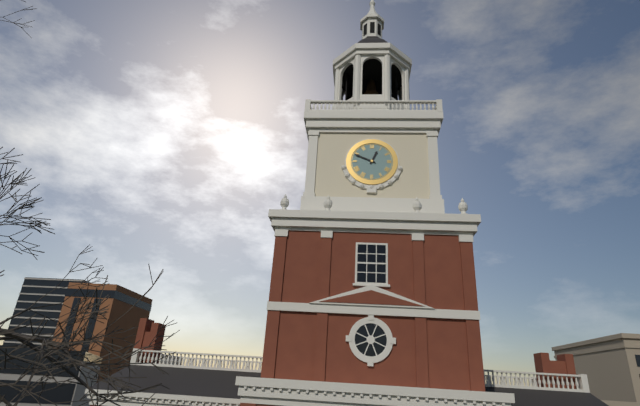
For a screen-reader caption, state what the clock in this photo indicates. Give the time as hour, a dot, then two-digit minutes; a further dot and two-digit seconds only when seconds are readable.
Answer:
12.49
